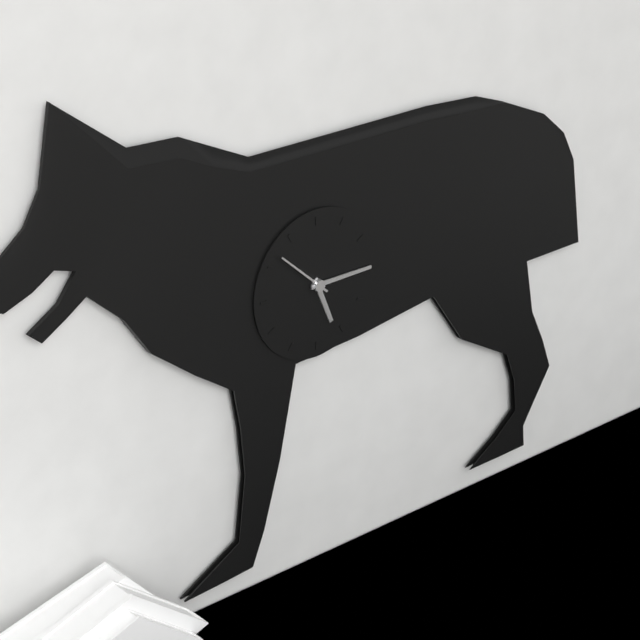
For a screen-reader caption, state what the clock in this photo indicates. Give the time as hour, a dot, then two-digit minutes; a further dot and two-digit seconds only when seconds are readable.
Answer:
5.15.52
